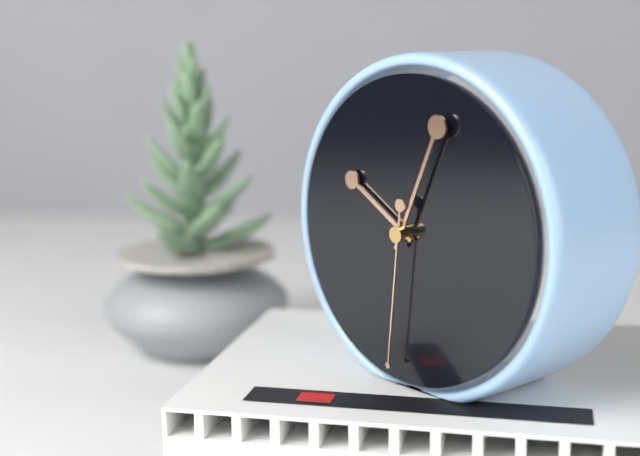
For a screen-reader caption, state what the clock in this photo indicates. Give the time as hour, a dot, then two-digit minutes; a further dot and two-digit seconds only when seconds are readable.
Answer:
10.04.31
